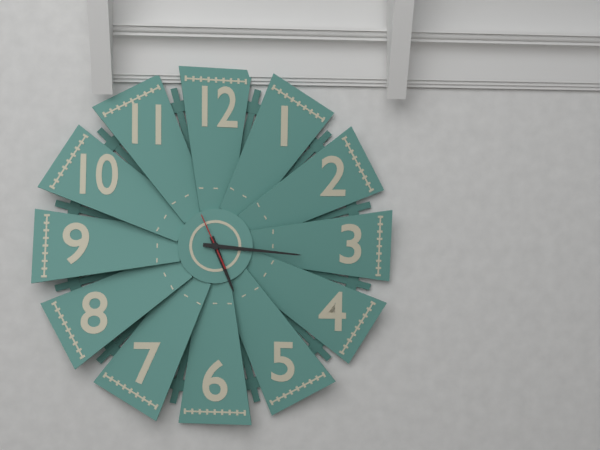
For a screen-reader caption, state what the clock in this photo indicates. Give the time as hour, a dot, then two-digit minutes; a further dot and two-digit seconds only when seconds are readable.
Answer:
5.16
